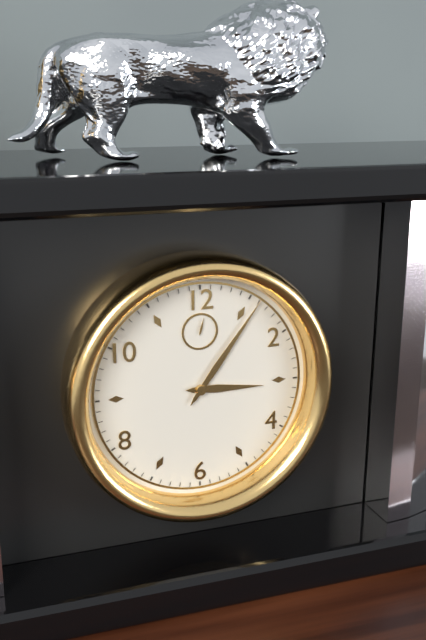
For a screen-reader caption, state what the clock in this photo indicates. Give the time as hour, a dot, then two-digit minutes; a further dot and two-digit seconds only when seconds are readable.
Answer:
3.06
